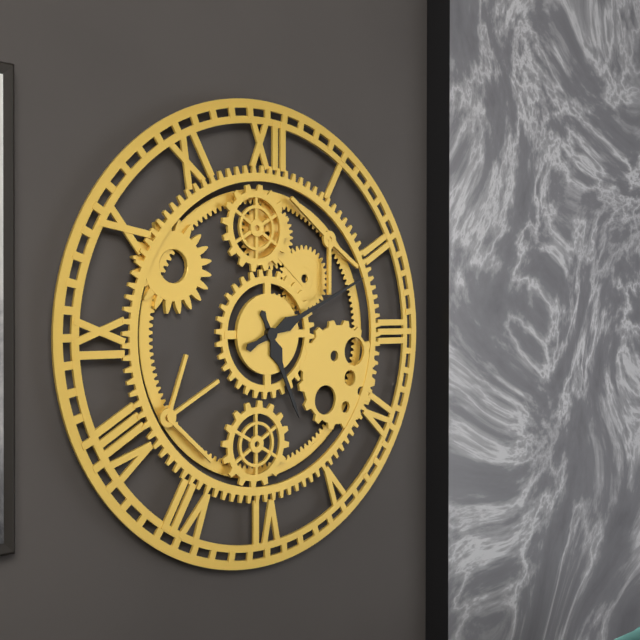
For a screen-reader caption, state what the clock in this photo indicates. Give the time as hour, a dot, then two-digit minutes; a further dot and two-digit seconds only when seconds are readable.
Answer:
5.11
